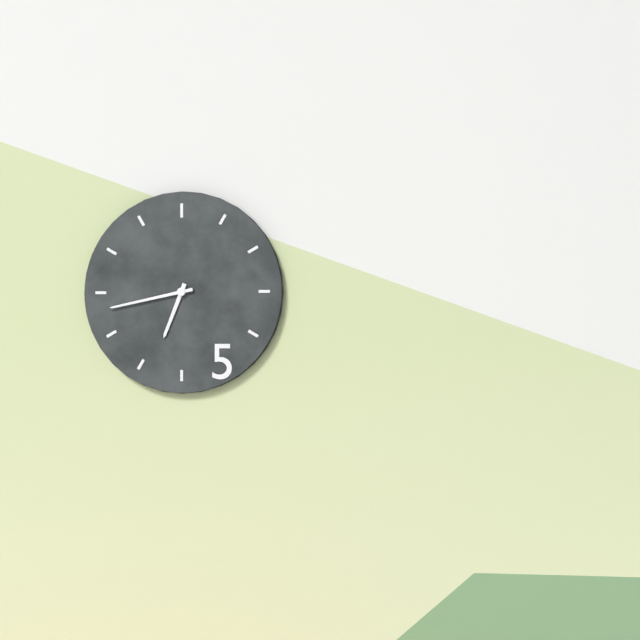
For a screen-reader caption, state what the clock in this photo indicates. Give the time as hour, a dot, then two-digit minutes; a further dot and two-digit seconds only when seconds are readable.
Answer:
6.43
